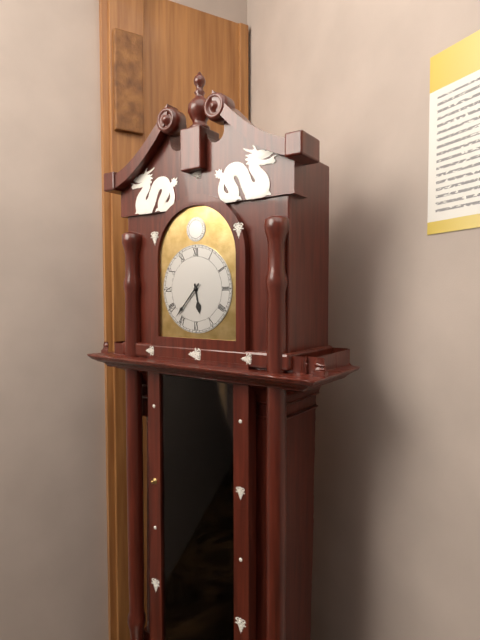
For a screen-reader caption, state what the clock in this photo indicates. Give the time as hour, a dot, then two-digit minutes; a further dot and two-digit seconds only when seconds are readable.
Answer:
5.37
